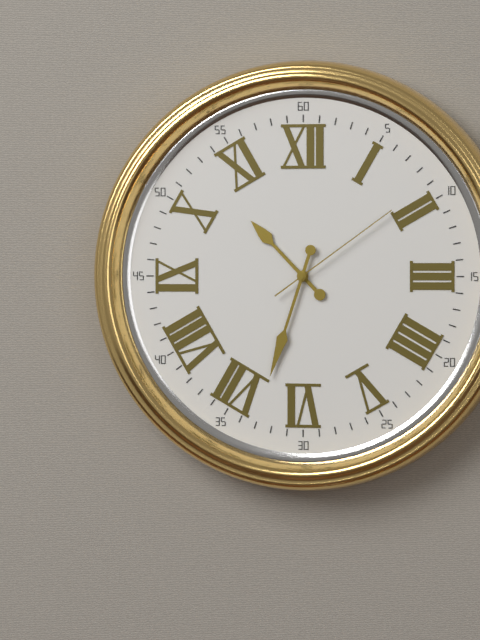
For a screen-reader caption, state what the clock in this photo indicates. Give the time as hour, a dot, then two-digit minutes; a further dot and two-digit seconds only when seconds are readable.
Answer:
10.33.09
